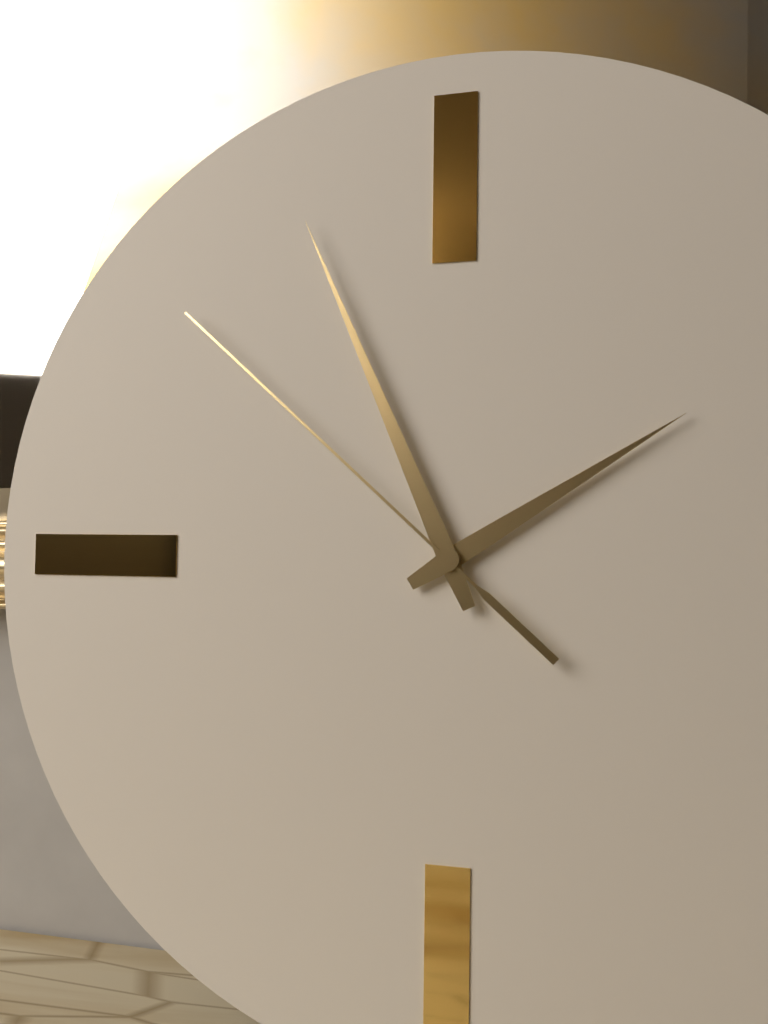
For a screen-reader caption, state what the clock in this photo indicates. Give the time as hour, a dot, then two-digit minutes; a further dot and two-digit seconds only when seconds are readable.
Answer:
1.56.52
